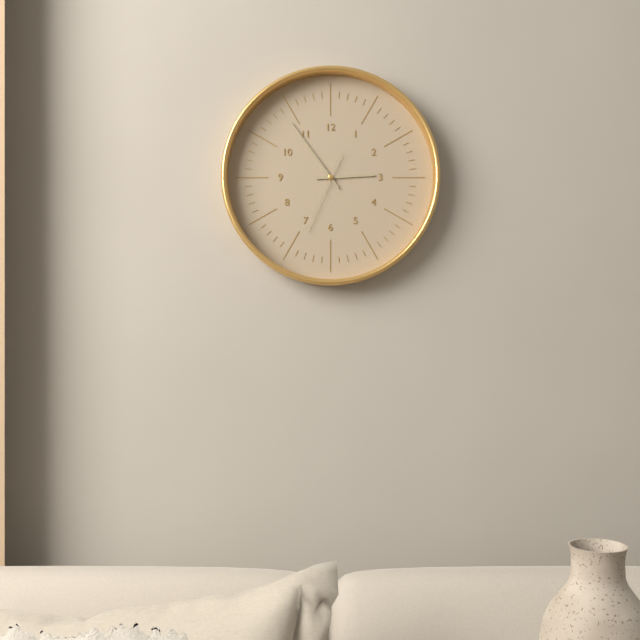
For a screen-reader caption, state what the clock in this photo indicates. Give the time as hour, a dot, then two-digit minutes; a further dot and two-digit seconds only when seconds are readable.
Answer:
2.54.34
